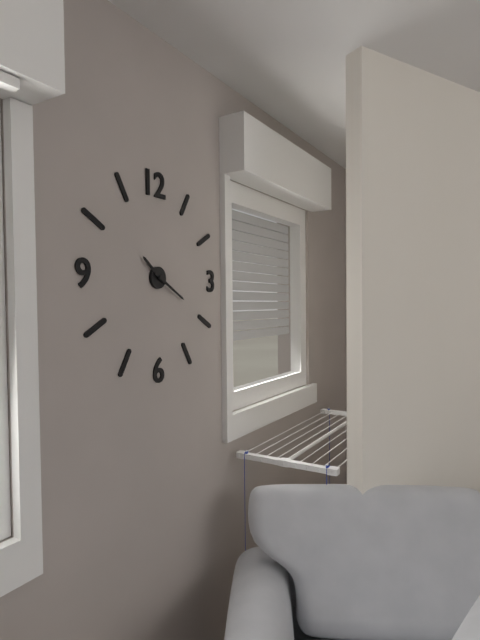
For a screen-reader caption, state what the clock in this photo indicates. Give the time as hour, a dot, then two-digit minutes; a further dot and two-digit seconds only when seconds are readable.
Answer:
10.20
